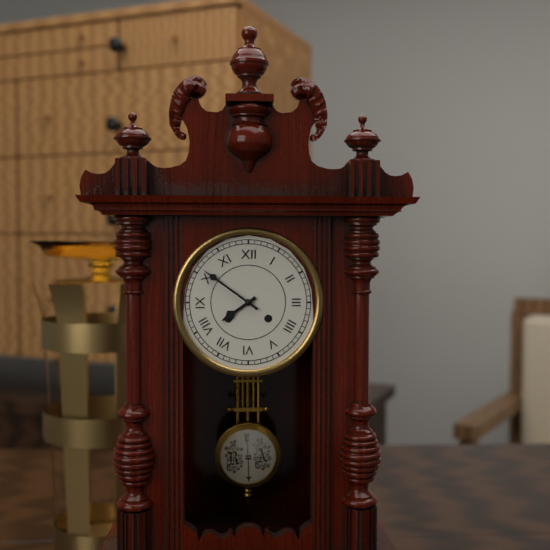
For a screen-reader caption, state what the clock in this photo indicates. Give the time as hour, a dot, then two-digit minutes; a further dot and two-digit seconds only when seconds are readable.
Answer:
7.51
